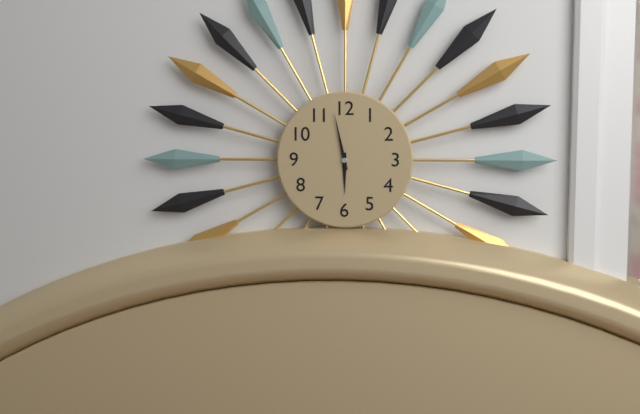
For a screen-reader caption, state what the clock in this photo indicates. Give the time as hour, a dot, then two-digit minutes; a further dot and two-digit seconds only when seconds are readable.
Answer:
5.58
